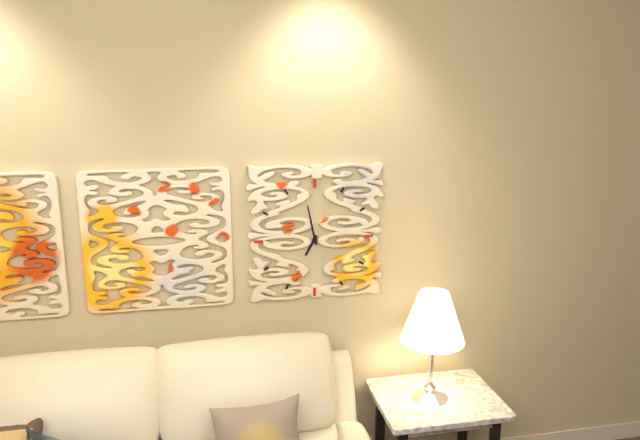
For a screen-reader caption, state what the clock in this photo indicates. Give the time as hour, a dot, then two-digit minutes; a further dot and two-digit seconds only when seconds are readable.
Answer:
6.58
